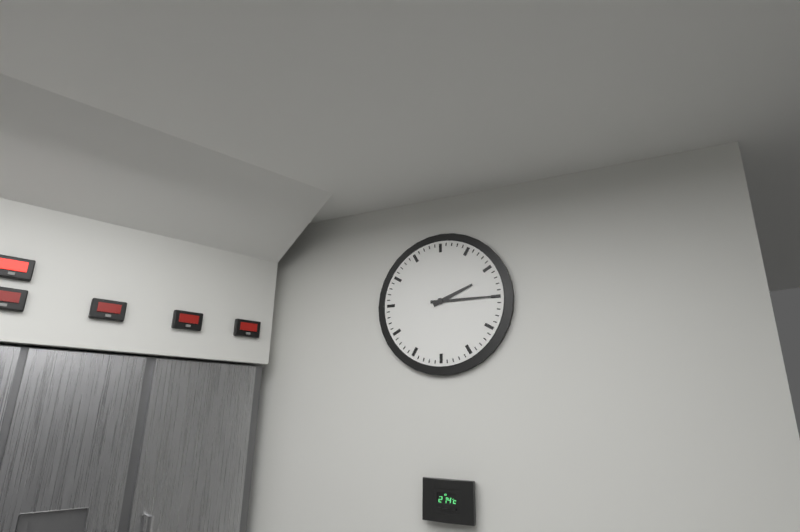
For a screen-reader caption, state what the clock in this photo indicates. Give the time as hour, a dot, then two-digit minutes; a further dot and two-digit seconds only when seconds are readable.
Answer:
2.15
